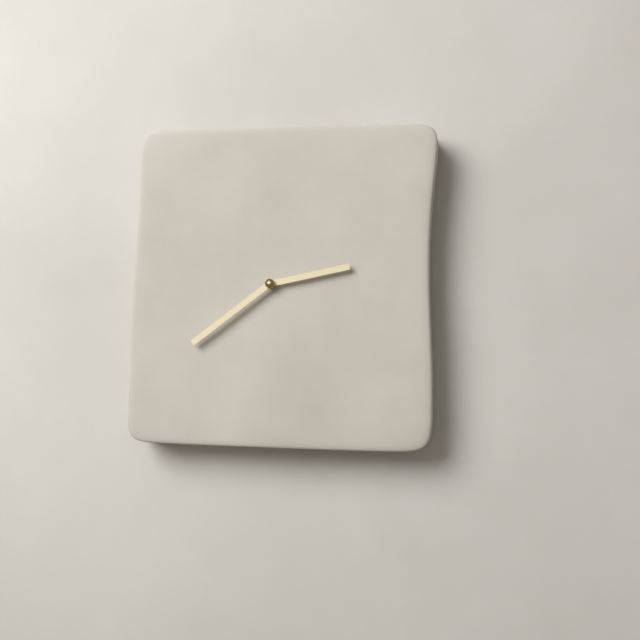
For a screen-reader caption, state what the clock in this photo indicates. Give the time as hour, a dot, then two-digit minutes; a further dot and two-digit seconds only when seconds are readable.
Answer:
2.39
